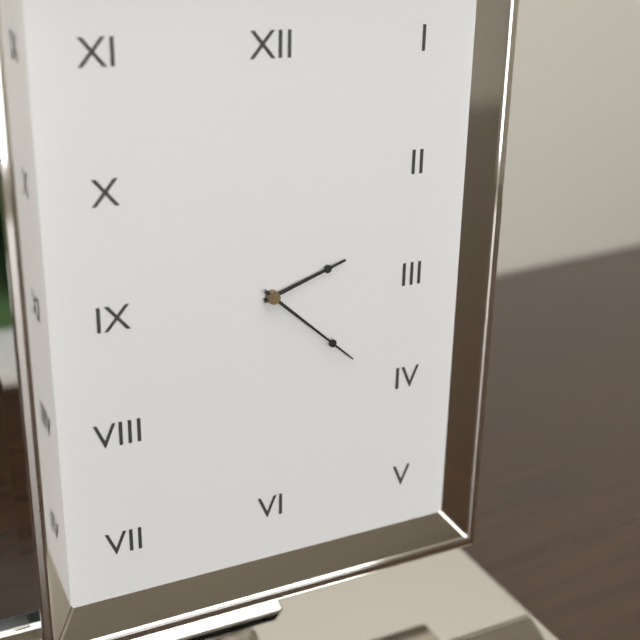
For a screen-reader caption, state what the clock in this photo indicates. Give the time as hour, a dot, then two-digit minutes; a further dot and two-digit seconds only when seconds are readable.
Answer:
2.22
